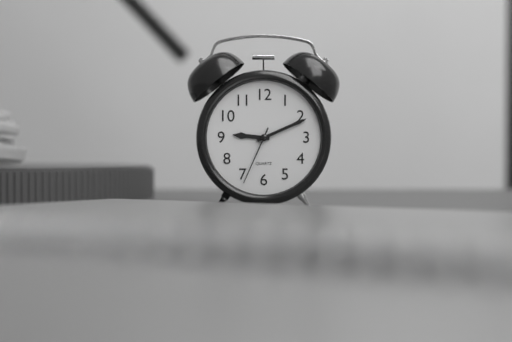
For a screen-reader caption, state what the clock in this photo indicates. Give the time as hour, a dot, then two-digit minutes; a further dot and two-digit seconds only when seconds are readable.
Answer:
9.11.34
